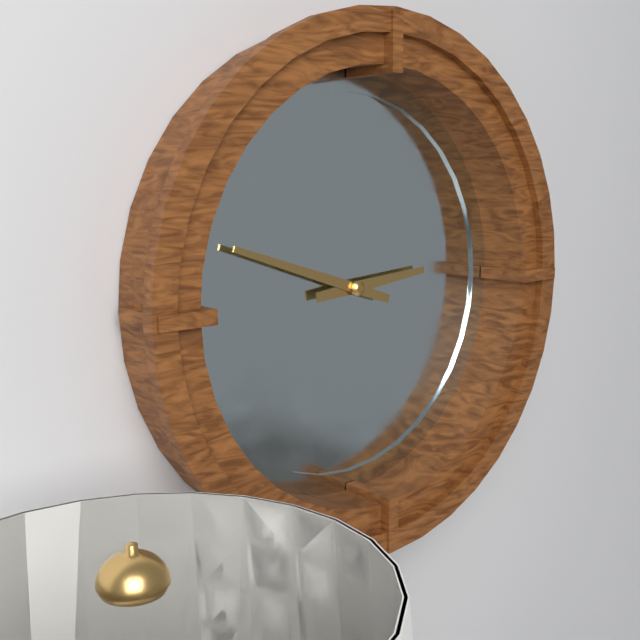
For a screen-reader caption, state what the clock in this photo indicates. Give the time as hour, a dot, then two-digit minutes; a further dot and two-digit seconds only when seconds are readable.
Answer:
2.48
